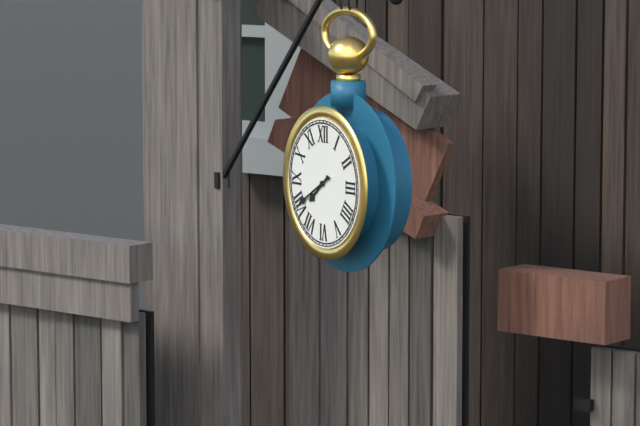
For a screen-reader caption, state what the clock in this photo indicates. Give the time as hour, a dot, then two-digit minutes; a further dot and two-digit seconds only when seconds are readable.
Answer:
7.40
